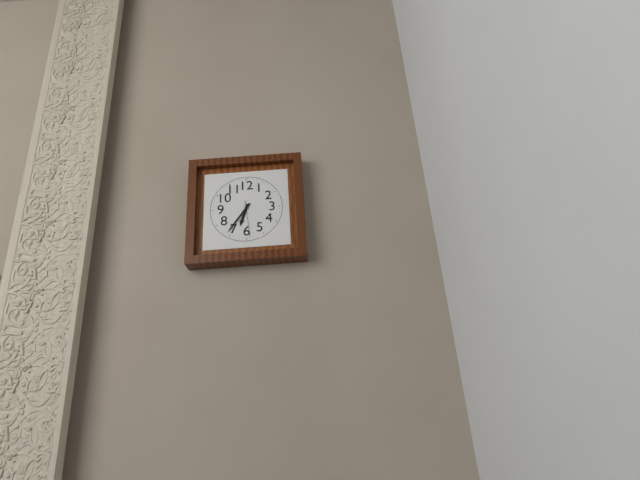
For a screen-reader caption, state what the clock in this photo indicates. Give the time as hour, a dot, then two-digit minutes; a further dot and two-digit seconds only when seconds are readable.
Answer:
6.36
